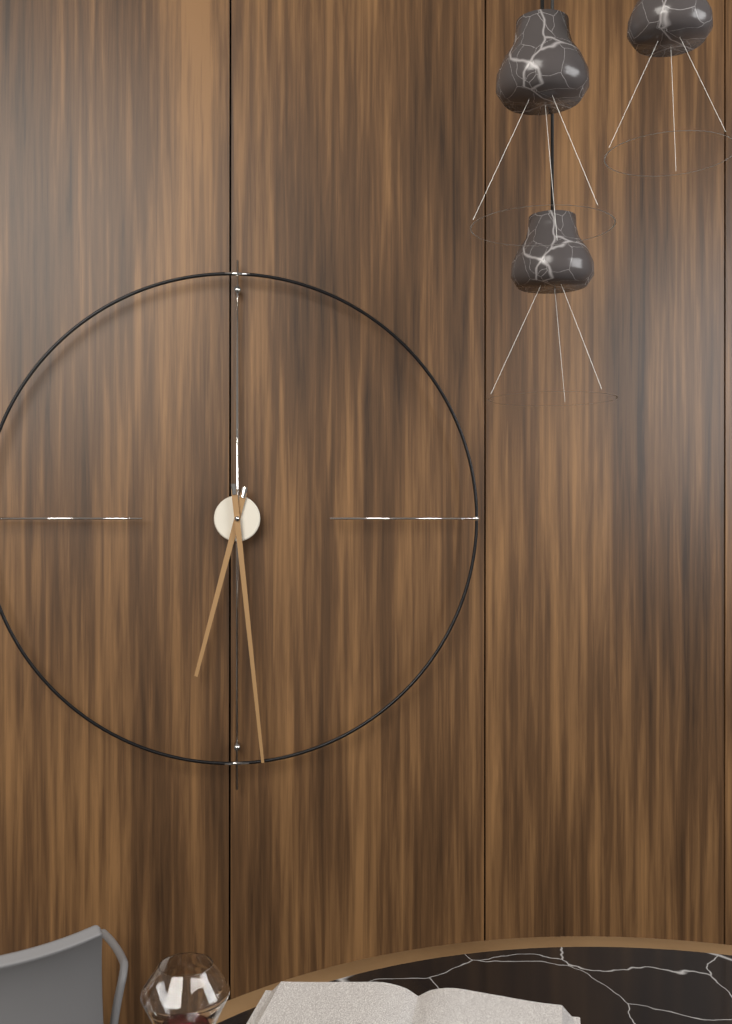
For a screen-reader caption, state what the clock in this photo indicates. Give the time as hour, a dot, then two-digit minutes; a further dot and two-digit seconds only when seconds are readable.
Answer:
6.29
